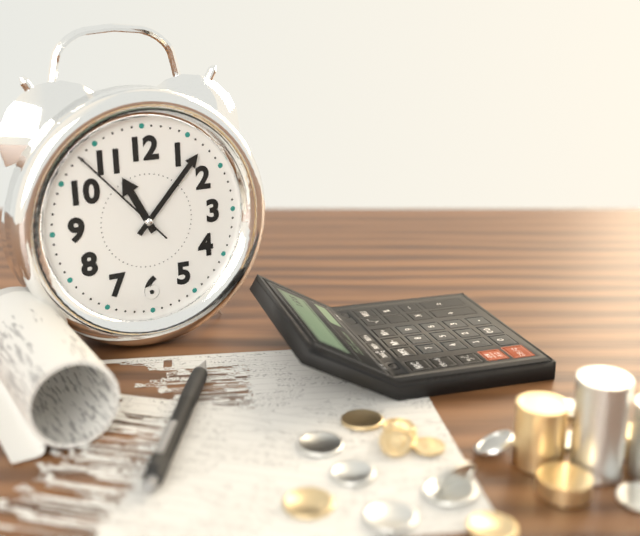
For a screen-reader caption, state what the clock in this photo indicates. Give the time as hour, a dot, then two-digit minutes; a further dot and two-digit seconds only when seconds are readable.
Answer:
11.07.53
